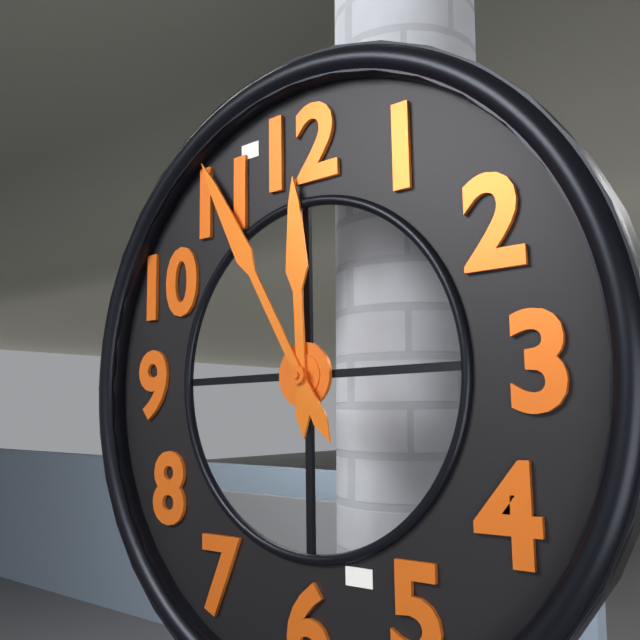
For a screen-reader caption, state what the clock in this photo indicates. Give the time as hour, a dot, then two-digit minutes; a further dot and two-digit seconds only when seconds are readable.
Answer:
11.55
